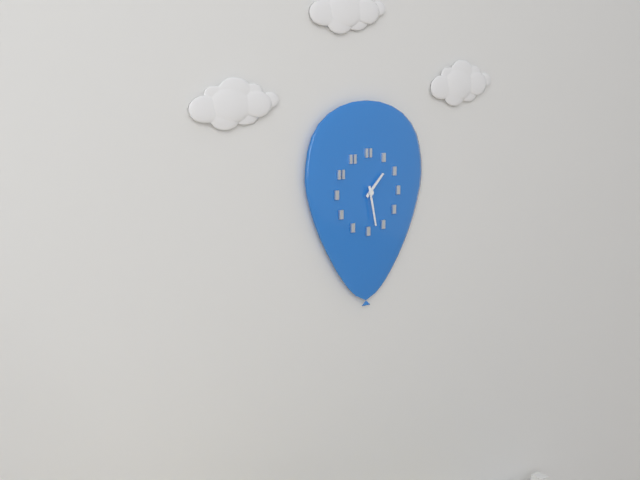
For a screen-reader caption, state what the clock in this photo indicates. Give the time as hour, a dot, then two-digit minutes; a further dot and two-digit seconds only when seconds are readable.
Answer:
1.28
